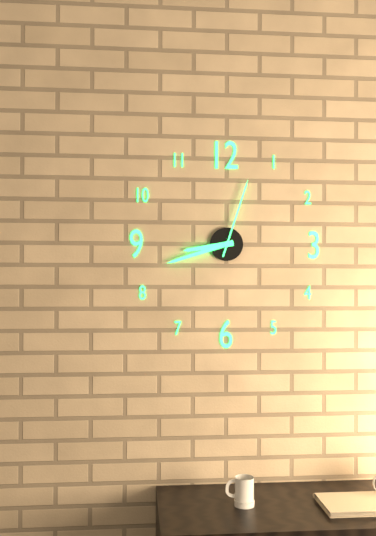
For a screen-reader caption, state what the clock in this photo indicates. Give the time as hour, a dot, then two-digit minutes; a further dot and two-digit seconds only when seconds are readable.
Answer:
8.42.03
